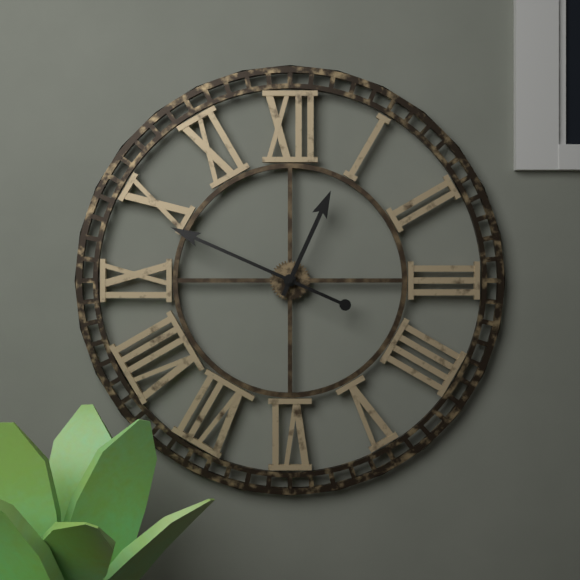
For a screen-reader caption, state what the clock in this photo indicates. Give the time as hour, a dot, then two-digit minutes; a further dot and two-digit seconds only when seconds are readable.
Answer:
12.49
